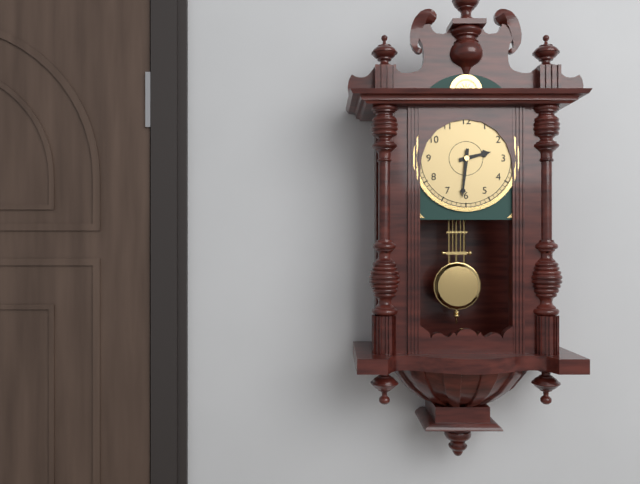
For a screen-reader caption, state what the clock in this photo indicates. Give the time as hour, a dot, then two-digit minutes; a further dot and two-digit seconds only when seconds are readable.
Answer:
2.31
